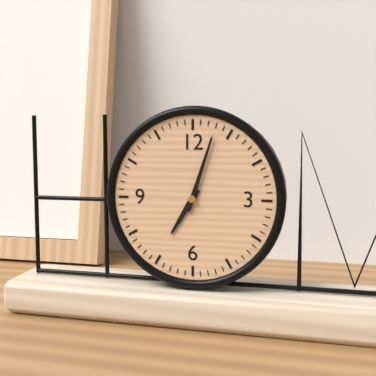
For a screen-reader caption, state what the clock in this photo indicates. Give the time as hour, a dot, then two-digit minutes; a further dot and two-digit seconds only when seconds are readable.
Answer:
7.03
